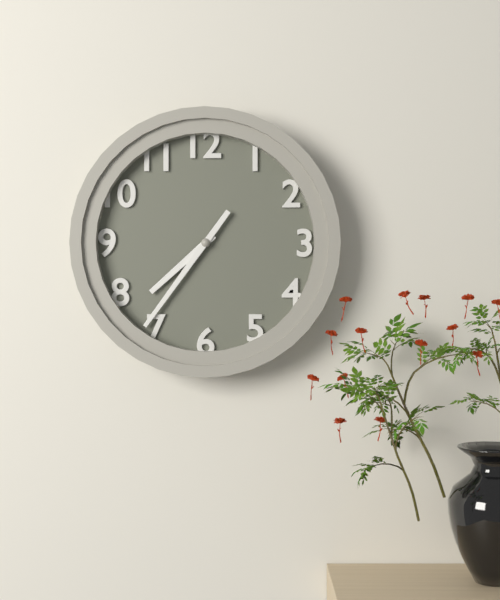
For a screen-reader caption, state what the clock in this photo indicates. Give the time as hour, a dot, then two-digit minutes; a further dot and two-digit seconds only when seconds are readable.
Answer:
7.36
